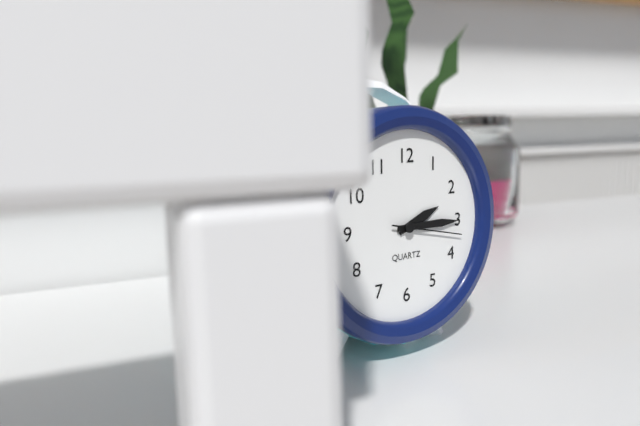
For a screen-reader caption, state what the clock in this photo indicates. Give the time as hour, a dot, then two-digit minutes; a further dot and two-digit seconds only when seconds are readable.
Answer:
2.15.17
